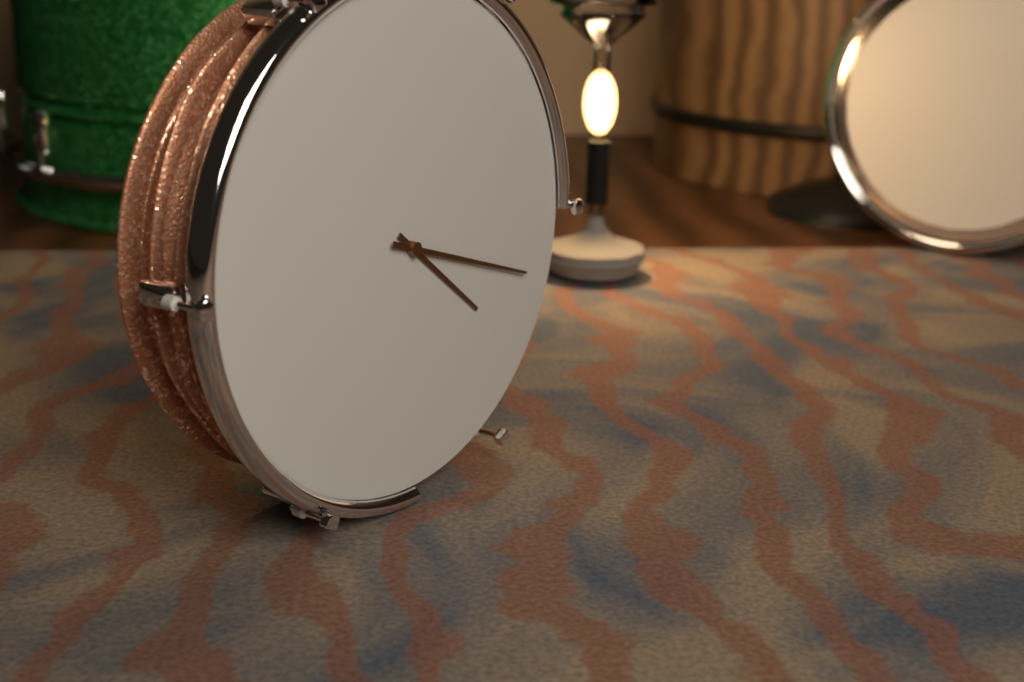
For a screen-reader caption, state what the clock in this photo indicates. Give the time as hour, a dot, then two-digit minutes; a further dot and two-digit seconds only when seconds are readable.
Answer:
4.18
